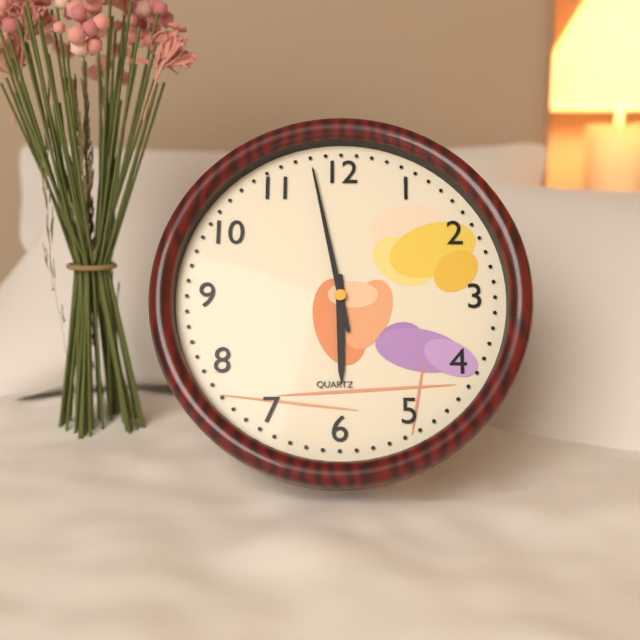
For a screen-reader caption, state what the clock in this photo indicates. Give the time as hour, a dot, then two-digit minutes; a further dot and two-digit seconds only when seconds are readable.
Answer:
5.58
